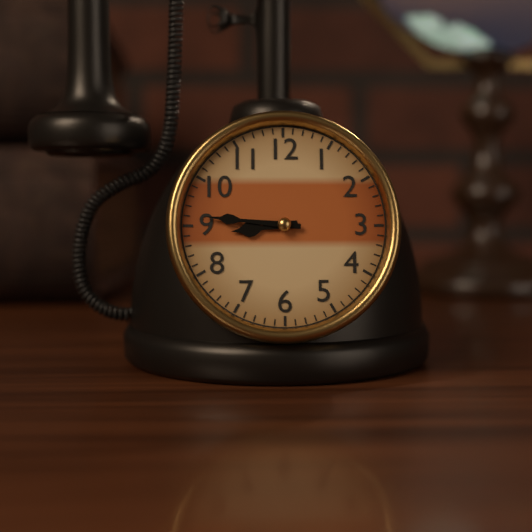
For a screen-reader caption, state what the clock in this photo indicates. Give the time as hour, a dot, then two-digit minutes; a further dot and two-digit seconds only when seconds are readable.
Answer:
8.46
